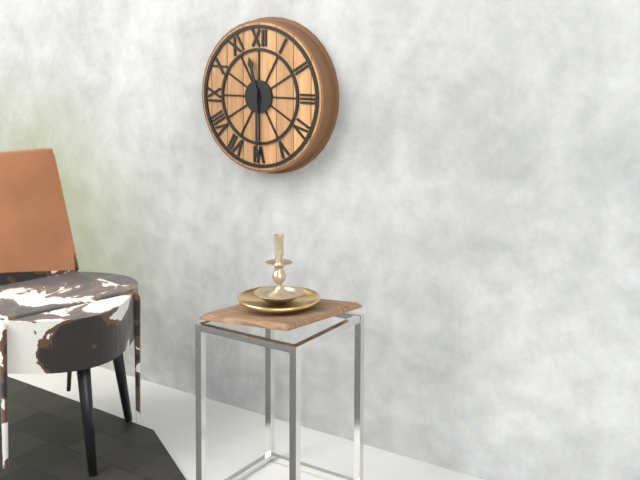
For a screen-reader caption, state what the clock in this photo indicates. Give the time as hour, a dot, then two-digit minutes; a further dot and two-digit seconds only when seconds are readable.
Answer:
11.30
